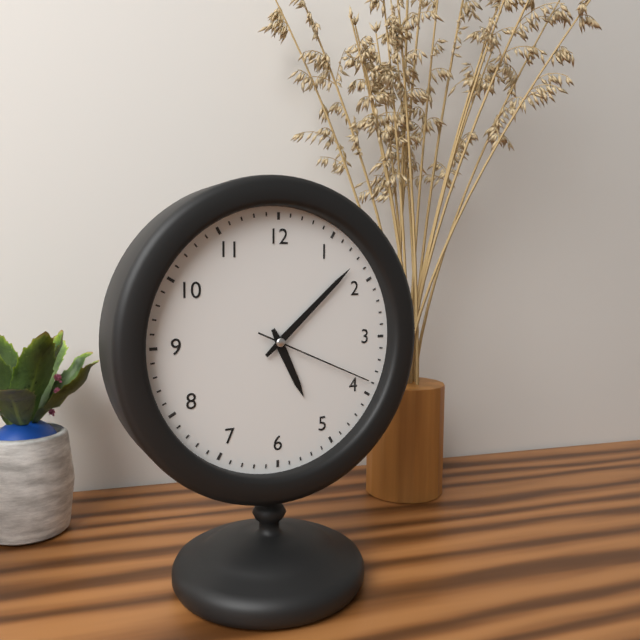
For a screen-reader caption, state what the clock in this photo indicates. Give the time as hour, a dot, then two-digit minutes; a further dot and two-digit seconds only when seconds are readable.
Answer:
5.08.19
